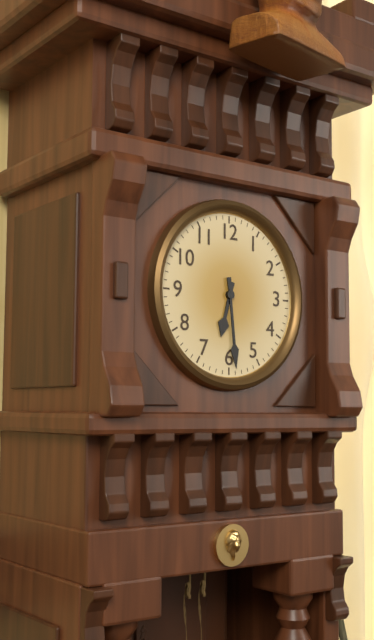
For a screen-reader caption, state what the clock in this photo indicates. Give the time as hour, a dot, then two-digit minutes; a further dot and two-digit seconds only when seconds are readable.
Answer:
6.29
